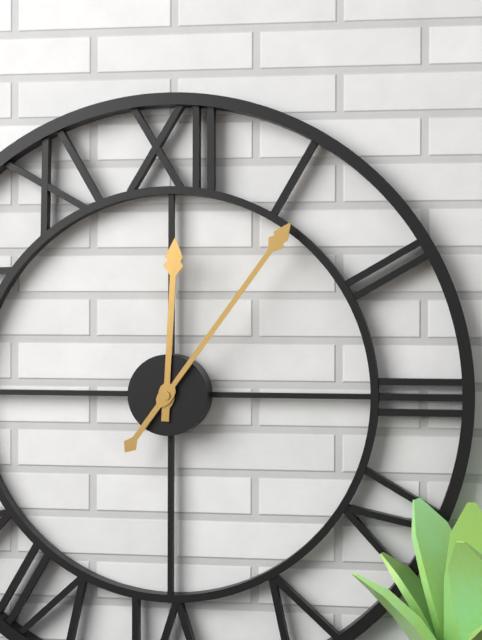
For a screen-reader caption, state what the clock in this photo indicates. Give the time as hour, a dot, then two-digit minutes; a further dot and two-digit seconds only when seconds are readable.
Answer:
12.06
